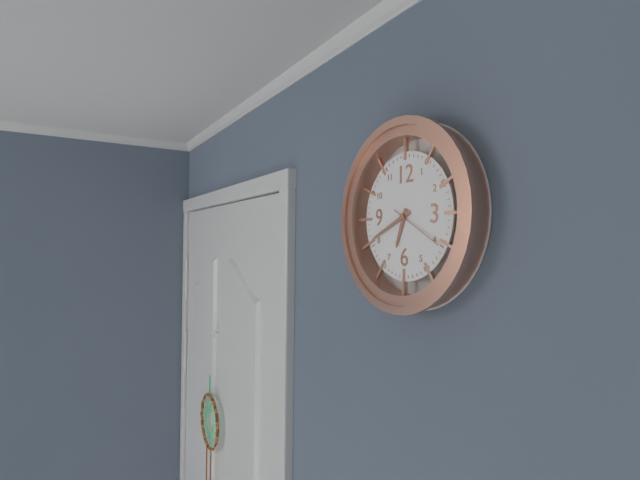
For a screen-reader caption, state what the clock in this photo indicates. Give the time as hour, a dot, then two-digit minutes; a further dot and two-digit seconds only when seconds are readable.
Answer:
6.41.20
